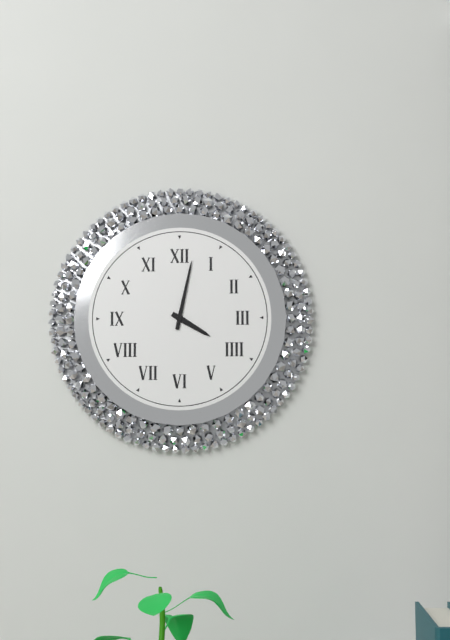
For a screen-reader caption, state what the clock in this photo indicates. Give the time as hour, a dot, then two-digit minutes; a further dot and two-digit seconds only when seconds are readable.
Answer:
4.02
